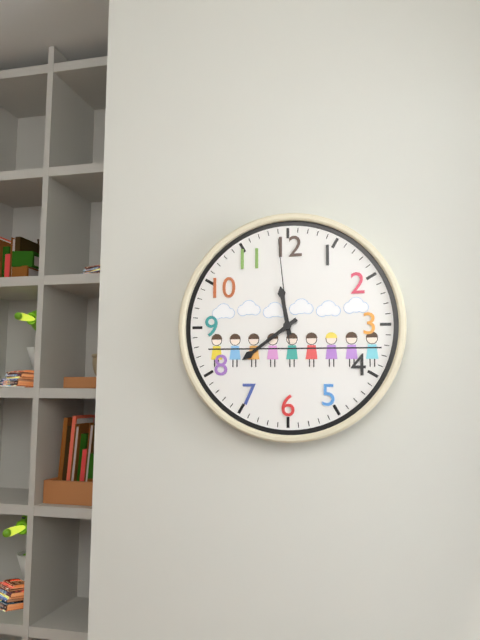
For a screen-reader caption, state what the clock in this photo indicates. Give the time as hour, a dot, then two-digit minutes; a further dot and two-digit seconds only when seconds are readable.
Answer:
11.39.59
